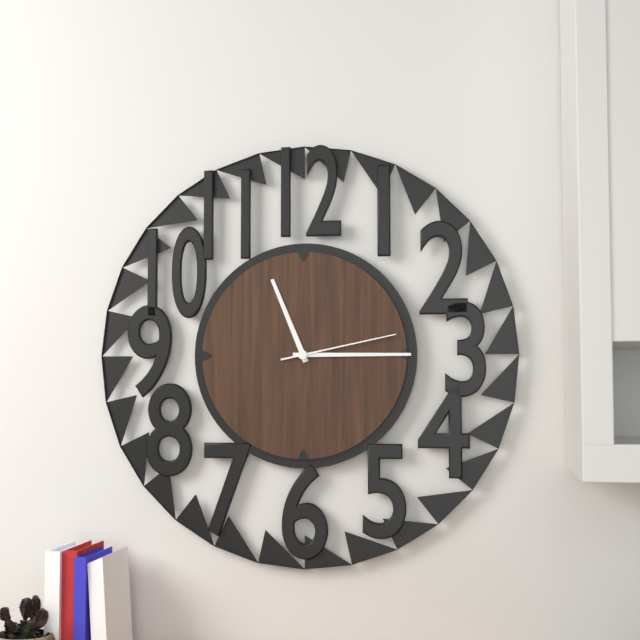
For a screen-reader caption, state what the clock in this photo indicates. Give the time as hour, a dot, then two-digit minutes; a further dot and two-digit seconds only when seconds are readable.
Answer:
11.15.13
